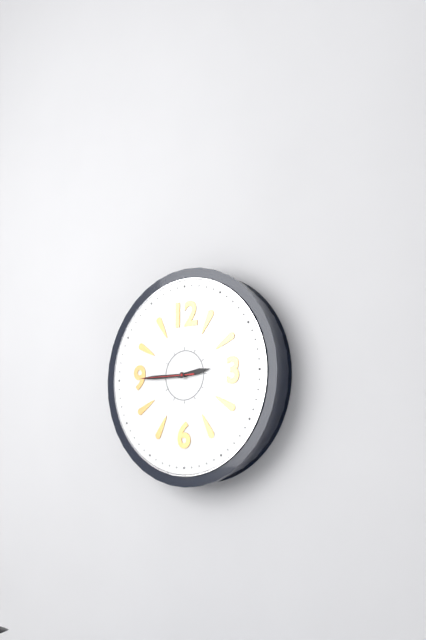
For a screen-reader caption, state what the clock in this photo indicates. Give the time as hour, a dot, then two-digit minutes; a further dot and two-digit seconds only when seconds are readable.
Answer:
2.45.45
